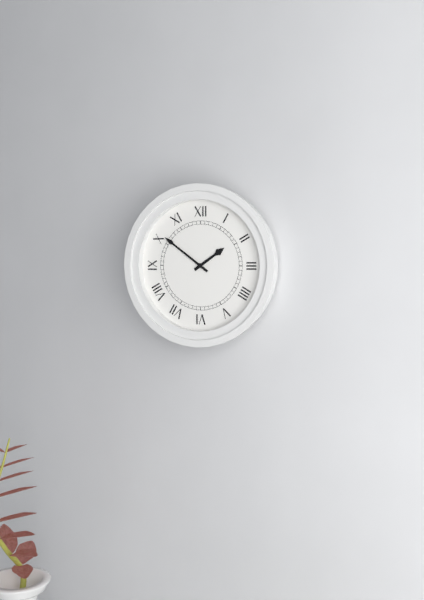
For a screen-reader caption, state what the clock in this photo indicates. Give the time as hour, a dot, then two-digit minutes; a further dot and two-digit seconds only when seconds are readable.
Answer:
1.51
